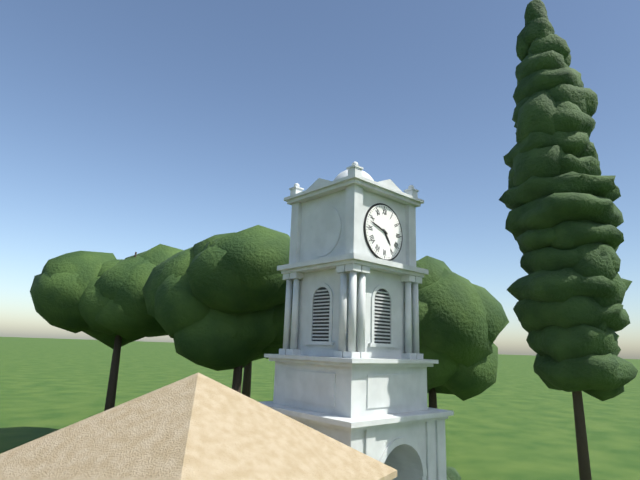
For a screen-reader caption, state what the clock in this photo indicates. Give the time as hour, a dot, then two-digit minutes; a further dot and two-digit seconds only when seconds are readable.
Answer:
4.48
